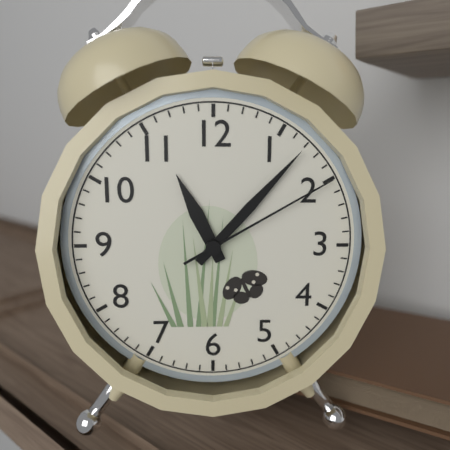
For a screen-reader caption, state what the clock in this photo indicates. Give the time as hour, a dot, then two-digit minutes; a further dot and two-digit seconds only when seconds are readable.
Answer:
11.07.10
